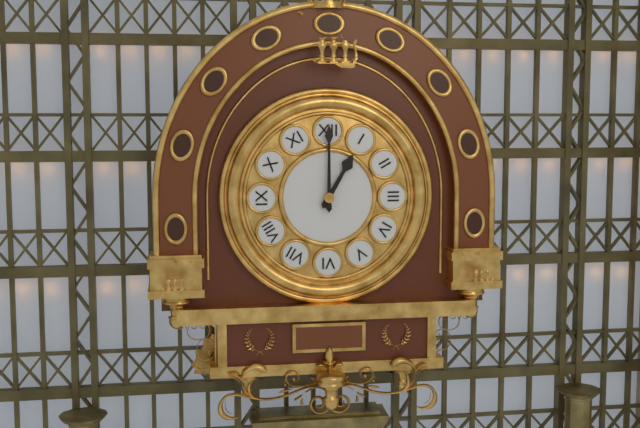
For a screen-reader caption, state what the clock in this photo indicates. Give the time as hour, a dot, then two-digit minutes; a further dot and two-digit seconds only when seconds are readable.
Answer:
1.00
